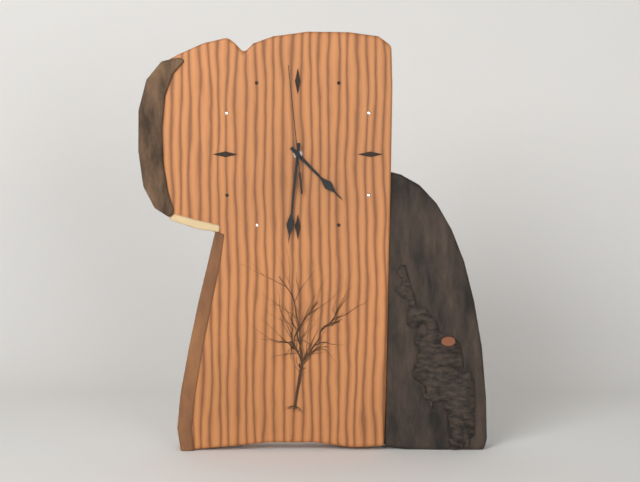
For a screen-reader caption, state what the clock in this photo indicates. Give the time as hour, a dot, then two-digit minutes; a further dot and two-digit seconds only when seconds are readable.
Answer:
4.31.59
